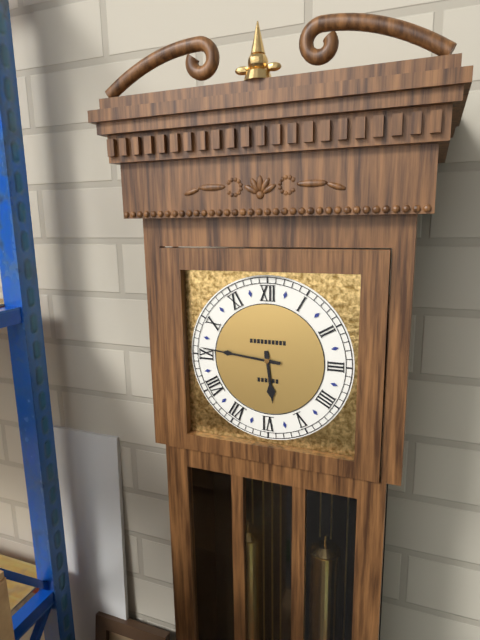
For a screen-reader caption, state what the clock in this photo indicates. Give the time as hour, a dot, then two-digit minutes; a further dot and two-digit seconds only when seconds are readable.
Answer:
5.46
